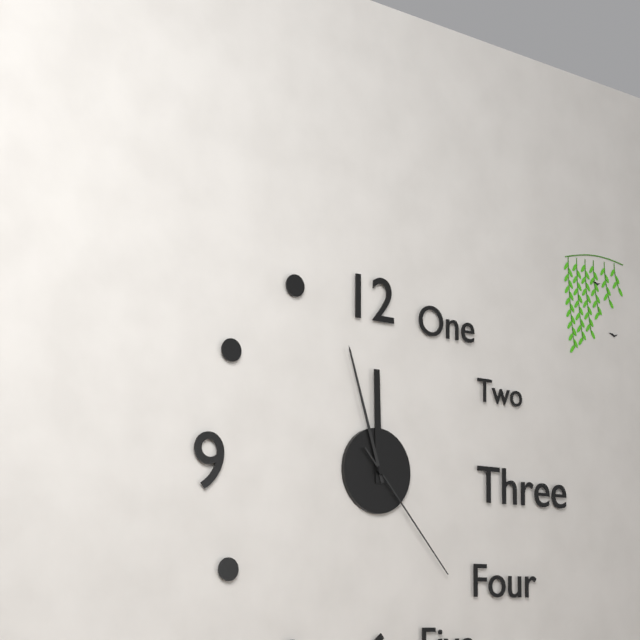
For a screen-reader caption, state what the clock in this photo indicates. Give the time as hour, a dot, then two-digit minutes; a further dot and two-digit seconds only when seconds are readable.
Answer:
11.57.23
